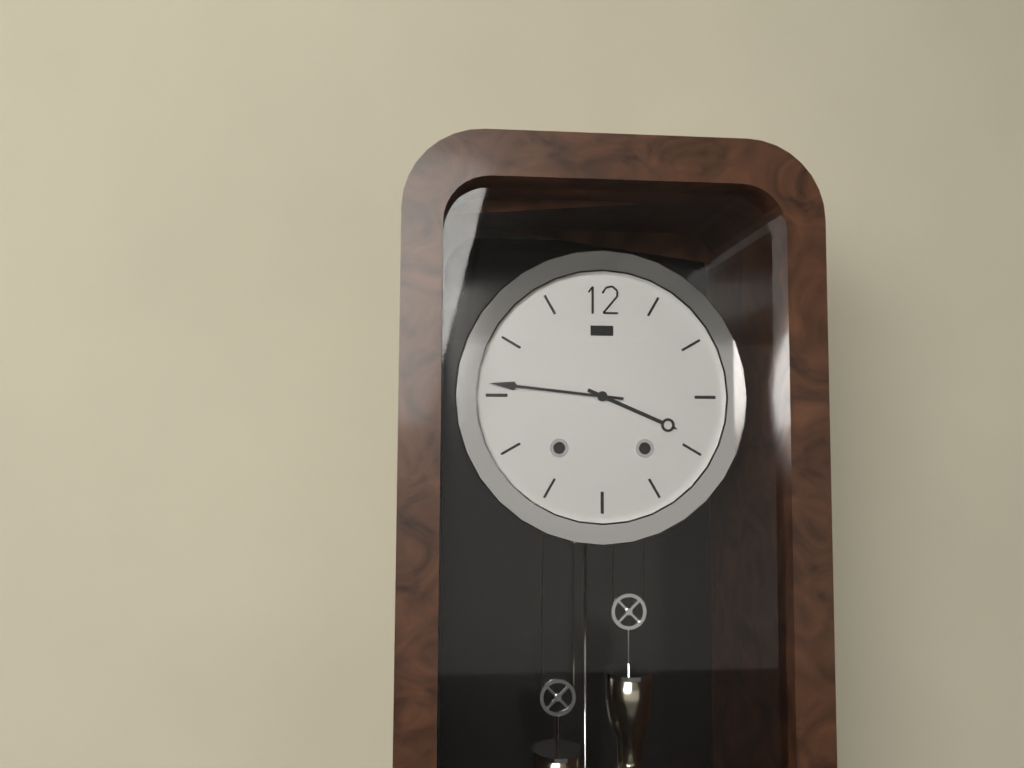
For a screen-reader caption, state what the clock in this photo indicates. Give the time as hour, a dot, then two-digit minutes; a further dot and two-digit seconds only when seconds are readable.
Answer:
3.46
